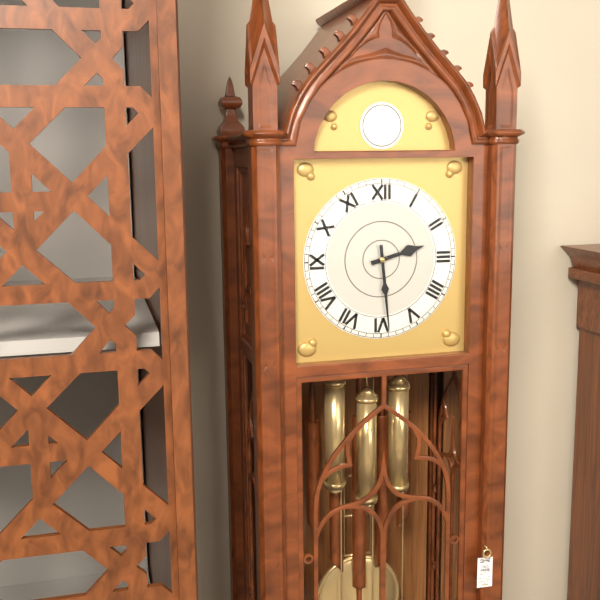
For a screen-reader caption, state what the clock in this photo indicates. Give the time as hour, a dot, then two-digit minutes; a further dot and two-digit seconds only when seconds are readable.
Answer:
2.29
